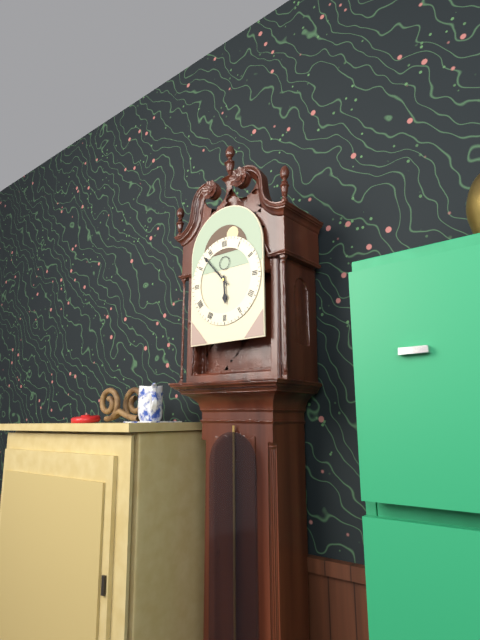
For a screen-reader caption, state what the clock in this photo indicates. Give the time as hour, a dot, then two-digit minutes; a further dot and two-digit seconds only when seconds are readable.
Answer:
5.53
